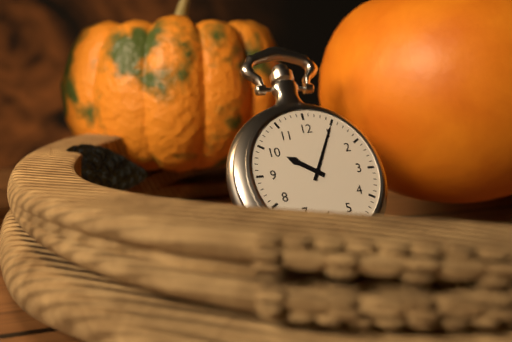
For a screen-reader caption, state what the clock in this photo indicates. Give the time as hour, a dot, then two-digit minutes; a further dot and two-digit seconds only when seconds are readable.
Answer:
10.05
